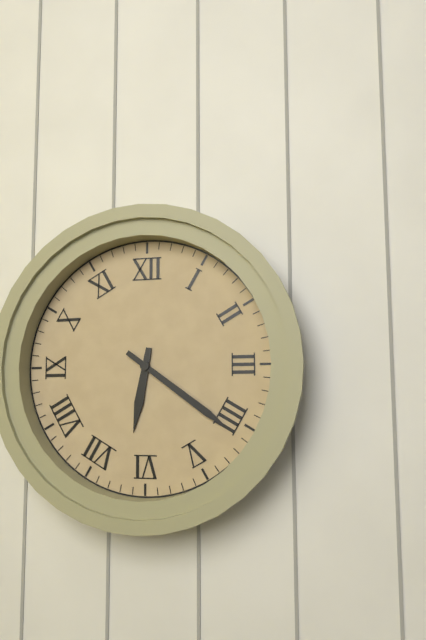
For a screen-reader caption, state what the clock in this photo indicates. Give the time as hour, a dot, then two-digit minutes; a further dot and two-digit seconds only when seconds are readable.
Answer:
6.21
